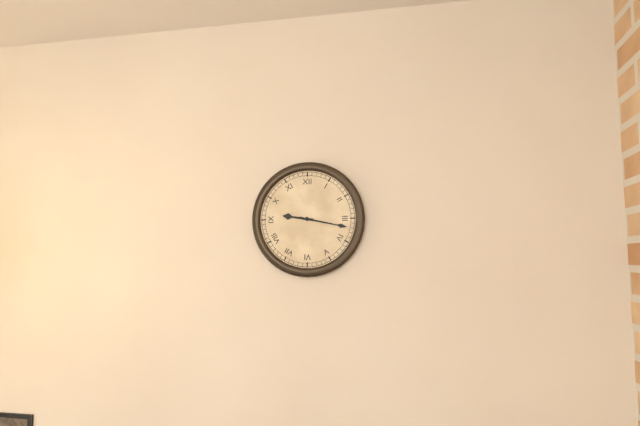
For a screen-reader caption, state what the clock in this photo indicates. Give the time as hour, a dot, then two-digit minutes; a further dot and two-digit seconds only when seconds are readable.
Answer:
9.17
